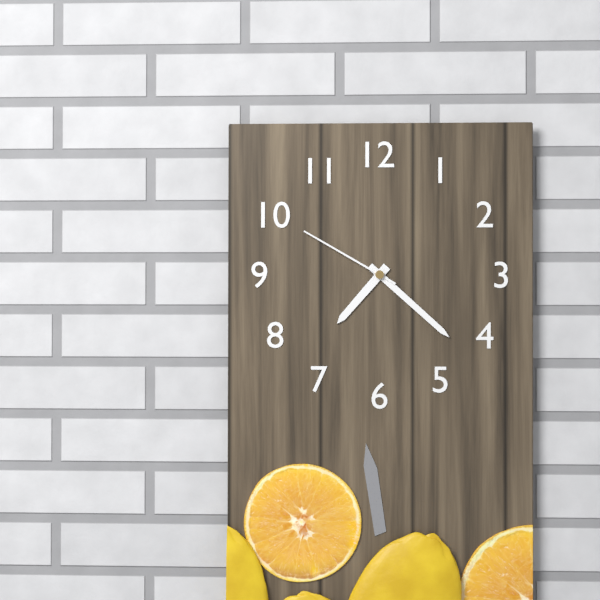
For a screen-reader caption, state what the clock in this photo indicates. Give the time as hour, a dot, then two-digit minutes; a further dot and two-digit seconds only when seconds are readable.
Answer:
7.22.50
